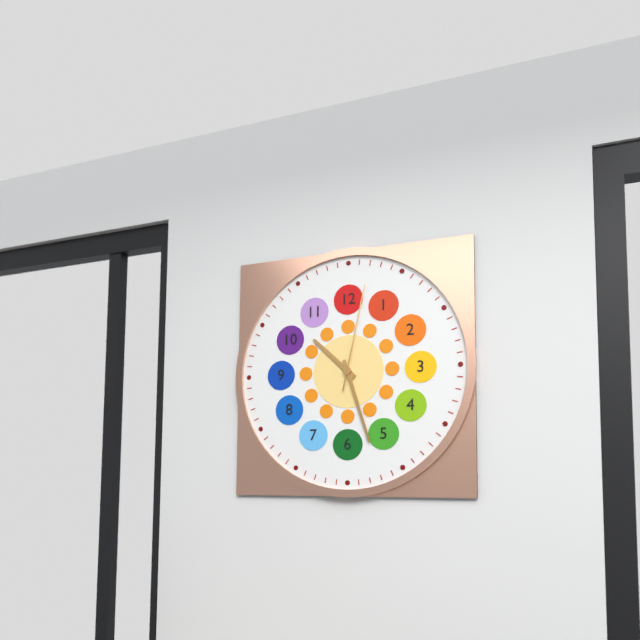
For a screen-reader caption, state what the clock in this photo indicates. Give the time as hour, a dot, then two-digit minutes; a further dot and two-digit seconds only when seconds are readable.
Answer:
10.27.02
